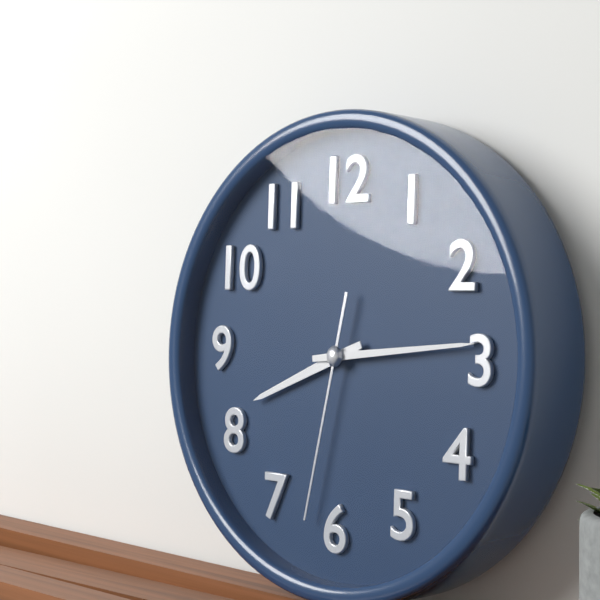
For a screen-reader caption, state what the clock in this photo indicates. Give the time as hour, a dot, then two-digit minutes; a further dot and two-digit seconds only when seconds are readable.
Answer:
8.14.32
